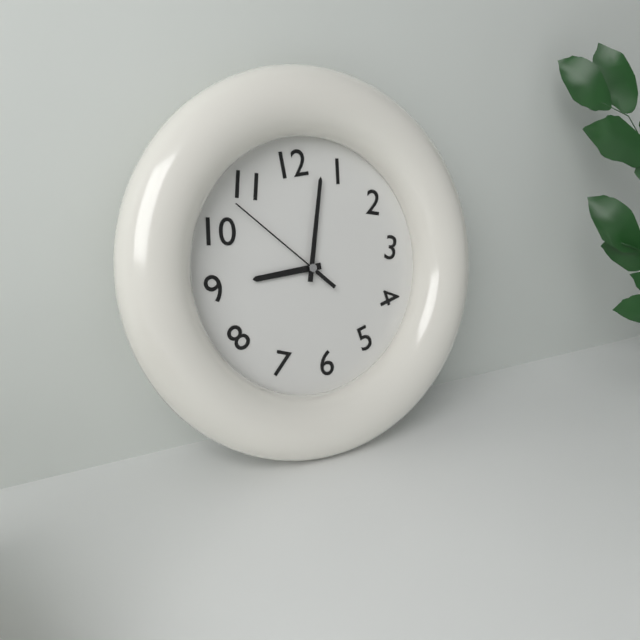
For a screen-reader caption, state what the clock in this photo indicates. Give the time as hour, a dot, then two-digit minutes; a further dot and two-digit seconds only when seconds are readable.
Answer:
9.03.53
